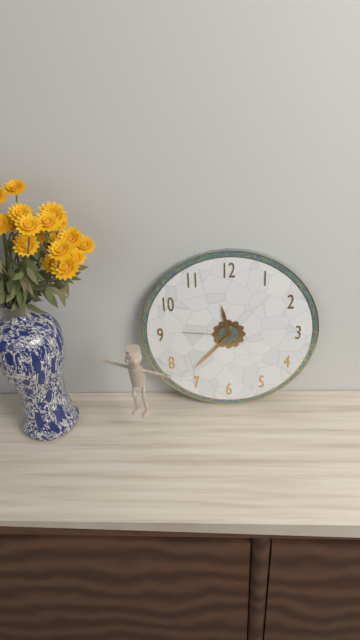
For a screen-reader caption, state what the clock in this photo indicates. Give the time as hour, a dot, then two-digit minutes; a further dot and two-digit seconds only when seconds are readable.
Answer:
11.37.46
